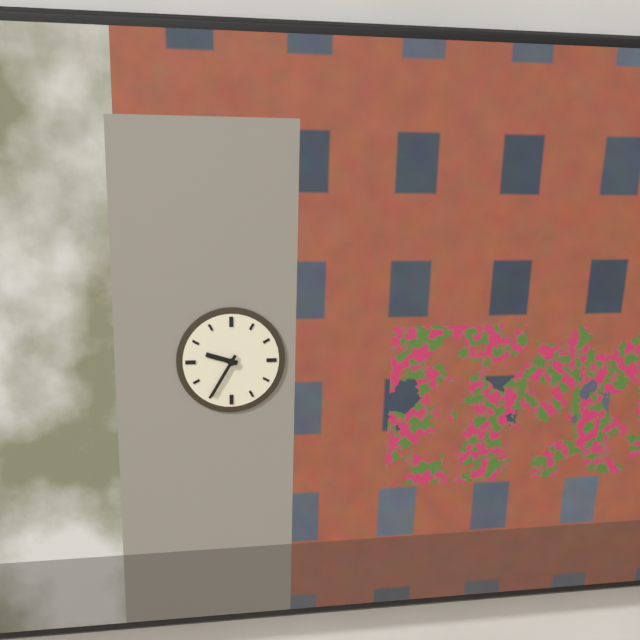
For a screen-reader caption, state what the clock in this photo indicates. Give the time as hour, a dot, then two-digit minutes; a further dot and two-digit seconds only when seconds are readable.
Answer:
9.35
